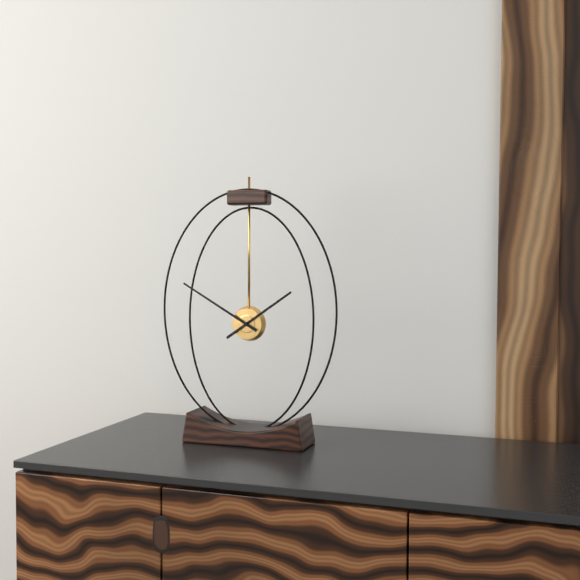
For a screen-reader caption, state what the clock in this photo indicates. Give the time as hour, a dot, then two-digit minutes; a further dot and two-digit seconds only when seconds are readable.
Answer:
1.50
